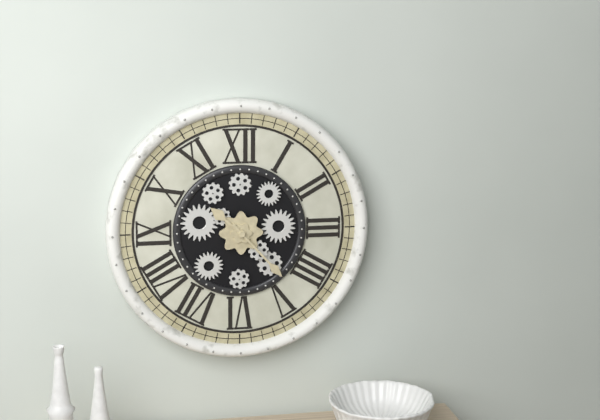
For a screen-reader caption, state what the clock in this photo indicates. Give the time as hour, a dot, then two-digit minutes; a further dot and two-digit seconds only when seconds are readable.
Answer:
10.23
